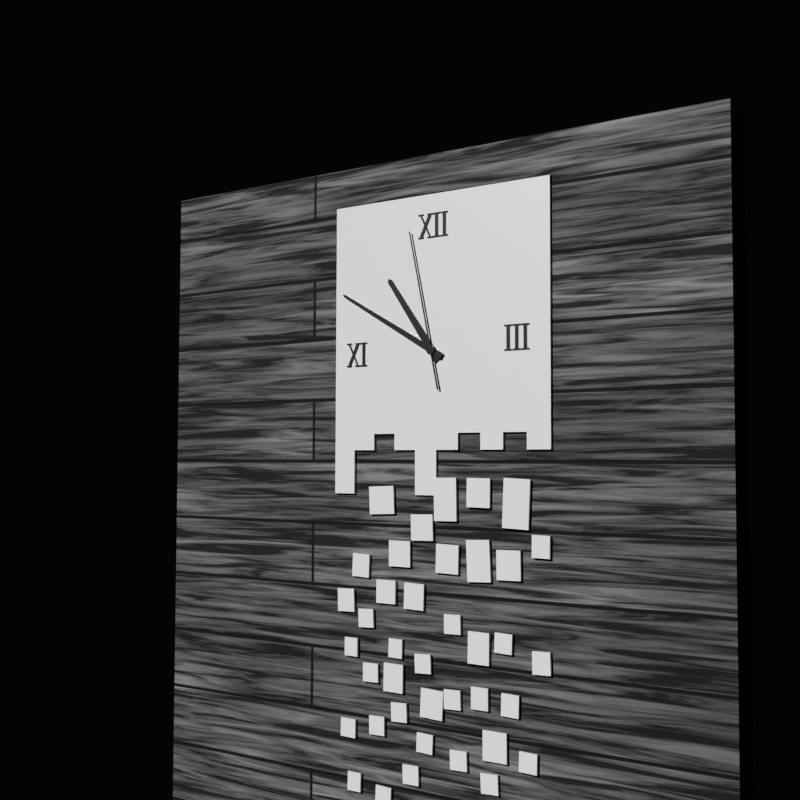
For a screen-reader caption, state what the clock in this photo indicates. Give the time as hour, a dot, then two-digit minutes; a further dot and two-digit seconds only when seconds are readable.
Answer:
10.50.58
